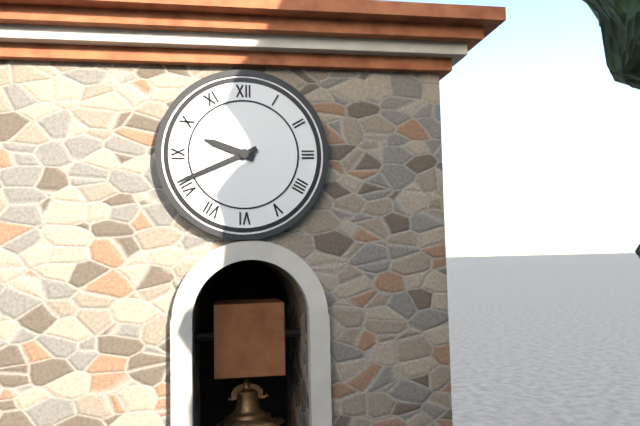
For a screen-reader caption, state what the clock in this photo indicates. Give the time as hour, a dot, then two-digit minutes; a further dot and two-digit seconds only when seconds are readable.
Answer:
9.41
